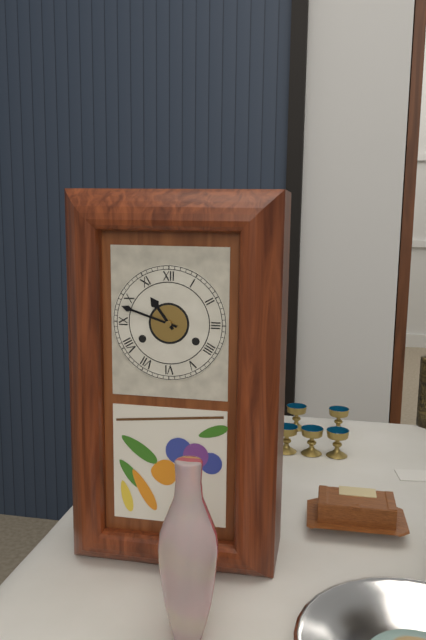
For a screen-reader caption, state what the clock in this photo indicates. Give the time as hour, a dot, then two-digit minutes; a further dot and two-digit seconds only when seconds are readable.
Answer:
10.48
